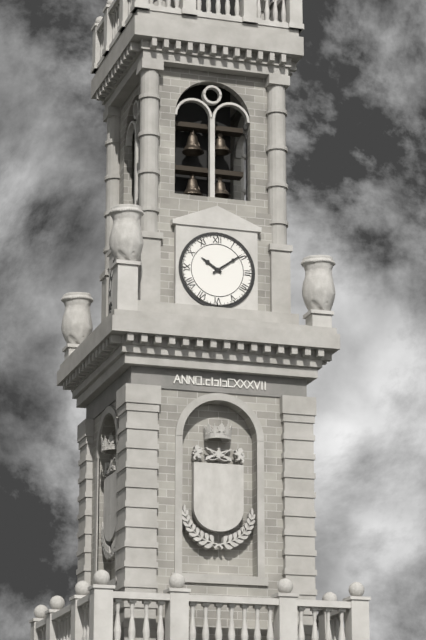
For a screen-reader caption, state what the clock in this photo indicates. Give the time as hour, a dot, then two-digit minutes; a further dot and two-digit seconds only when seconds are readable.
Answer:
10.09
